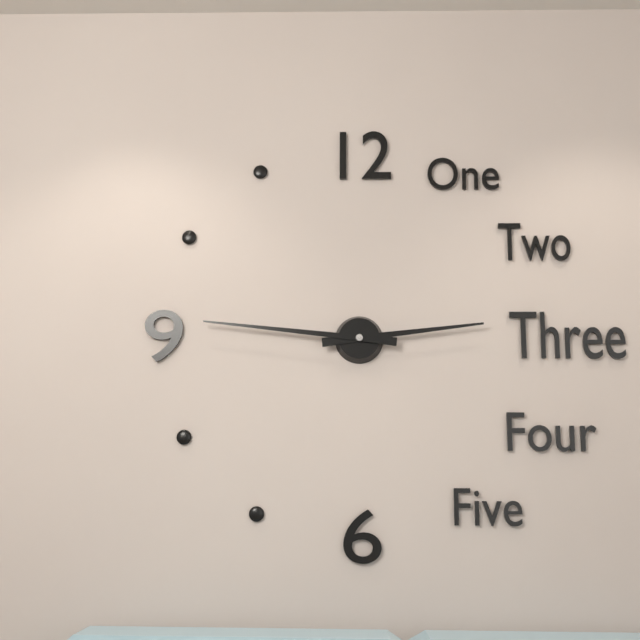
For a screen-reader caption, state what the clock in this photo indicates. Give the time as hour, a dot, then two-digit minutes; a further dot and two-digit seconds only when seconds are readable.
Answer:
2.46
